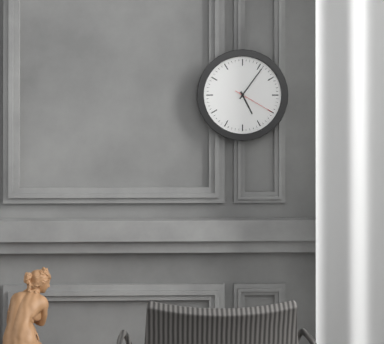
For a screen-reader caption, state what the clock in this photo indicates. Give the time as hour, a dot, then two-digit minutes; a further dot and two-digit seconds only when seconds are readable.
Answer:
5.06
